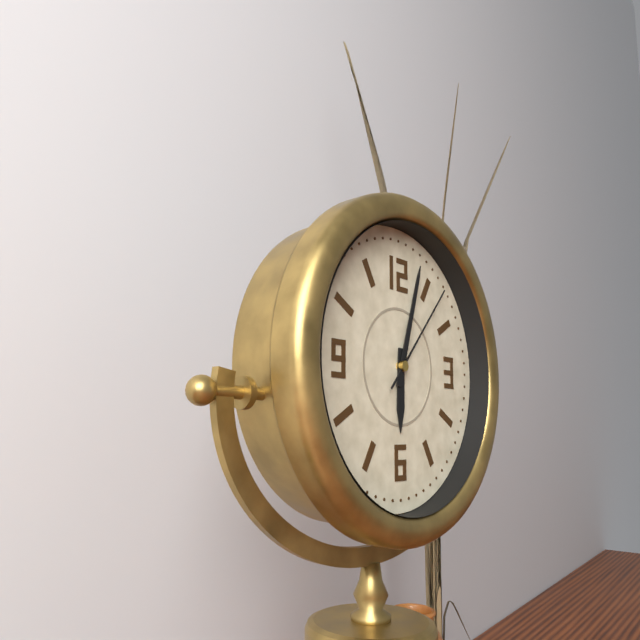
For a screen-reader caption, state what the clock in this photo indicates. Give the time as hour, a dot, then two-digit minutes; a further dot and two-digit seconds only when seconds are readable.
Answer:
6.03.07
